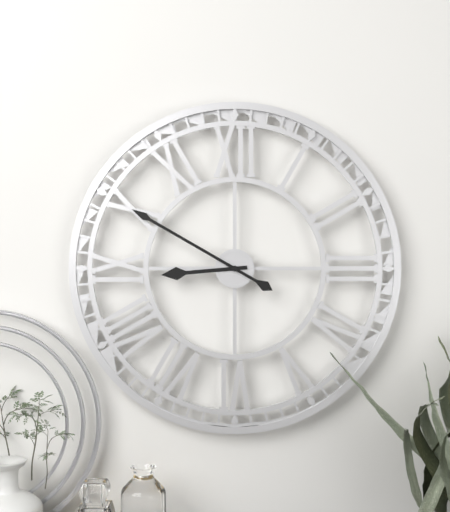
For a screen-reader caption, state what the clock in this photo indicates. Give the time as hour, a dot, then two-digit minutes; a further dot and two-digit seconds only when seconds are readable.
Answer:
8.50
